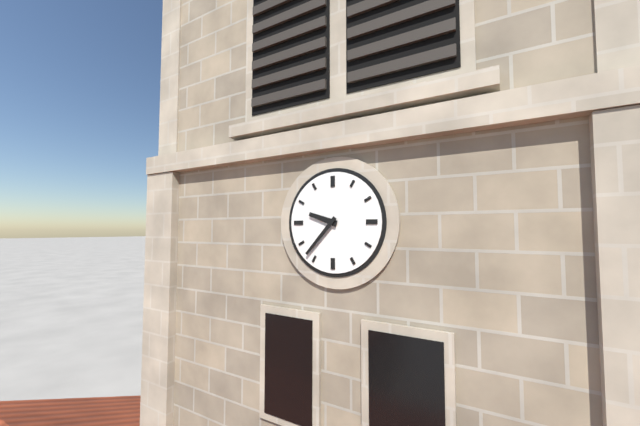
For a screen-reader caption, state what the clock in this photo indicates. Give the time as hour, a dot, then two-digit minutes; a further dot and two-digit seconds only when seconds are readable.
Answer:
9.37
